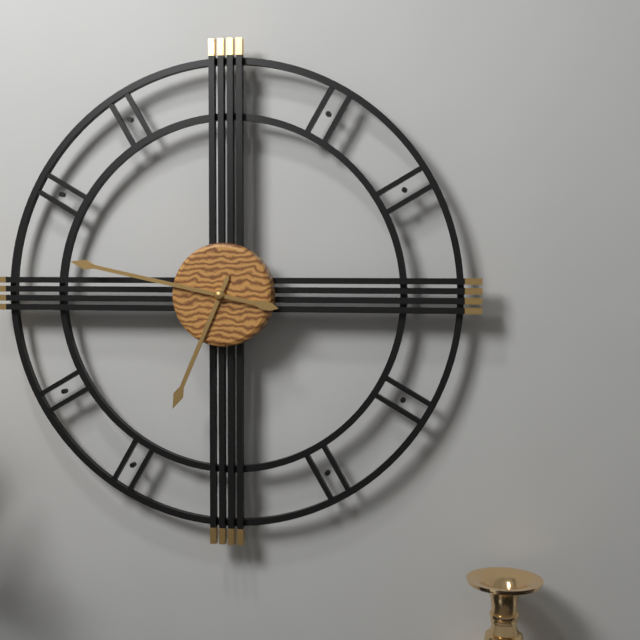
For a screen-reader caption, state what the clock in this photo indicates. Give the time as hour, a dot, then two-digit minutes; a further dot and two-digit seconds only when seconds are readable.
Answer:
6.47
